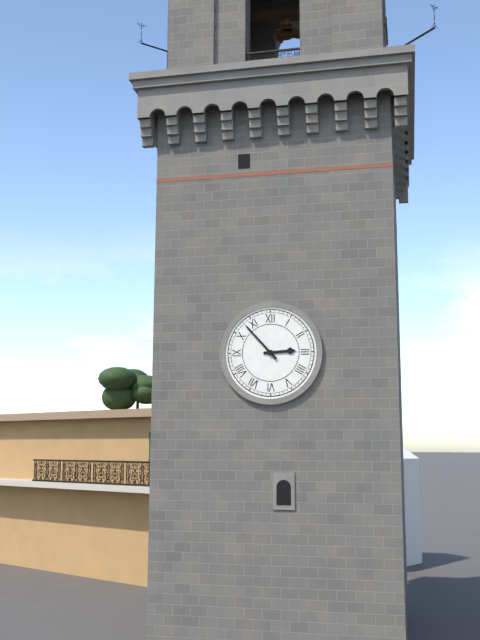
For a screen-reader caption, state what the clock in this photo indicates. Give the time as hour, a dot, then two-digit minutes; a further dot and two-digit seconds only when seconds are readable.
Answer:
2.53
